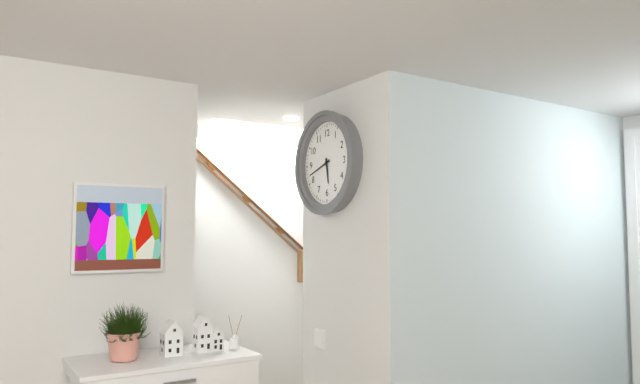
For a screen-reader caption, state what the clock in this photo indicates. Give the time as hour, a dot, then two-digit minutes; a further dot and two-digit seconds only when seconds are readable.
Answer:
5.42
